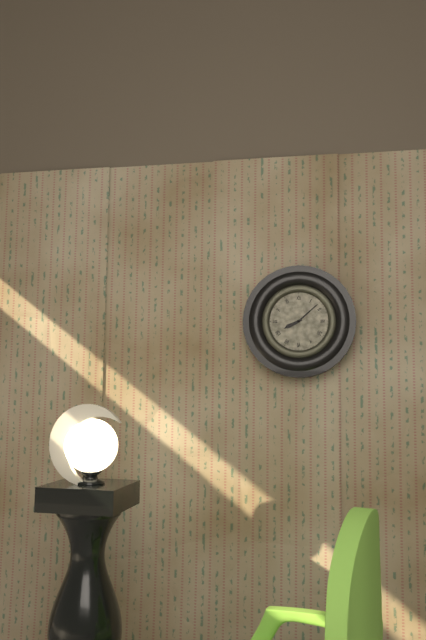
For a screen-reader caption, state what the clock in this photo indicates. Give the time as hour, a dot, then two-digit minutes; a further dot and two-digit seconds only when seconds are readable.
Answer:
8.08
